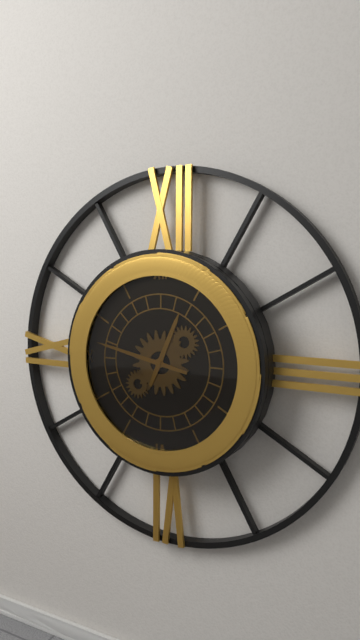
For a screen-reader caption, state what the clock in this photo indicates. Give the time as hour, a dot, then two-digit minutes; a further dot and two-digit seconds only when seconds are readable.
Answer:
12.47
